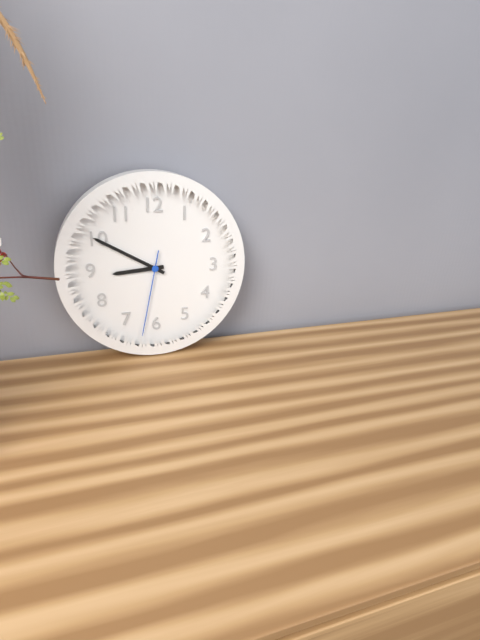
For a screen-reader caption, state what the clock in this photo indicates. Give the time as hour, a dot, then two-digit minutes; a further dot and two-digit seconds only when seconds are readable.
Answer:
8.50.32
